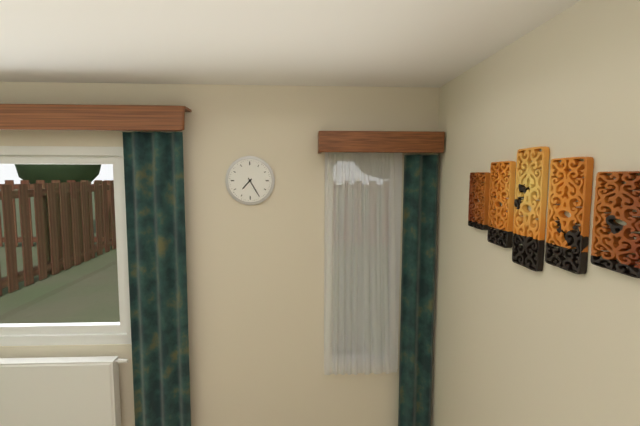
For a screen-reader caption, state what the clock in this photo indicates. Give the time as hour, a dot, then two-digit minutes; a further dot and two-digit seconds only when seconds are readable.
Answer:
7.25
